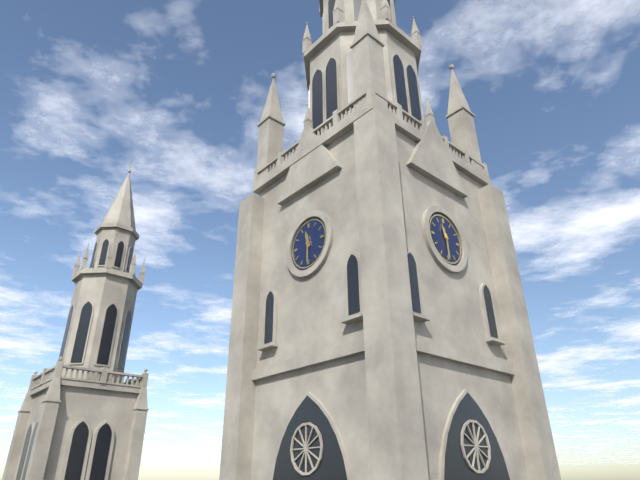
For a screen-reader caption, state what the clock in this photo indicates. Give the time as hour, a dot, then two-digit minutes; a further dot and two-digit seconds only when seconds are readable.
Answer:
11.30
